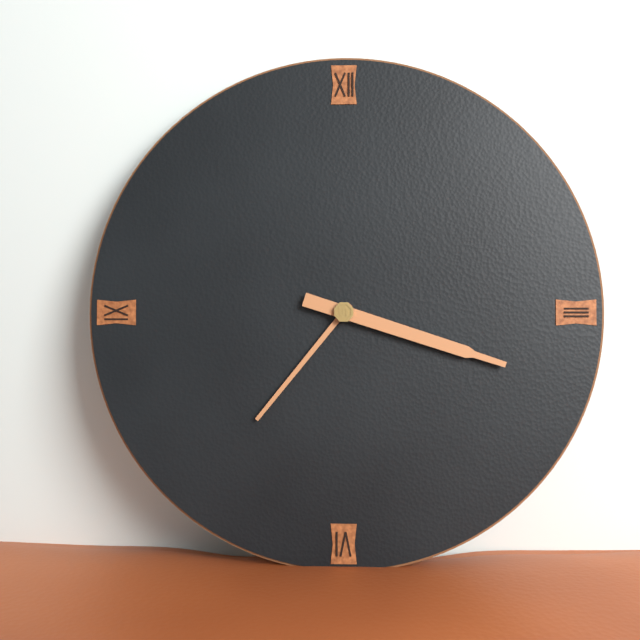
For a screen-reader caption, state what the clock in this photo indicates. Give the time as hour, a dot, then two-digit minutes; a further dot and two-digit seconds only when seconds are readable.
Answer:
7.18
